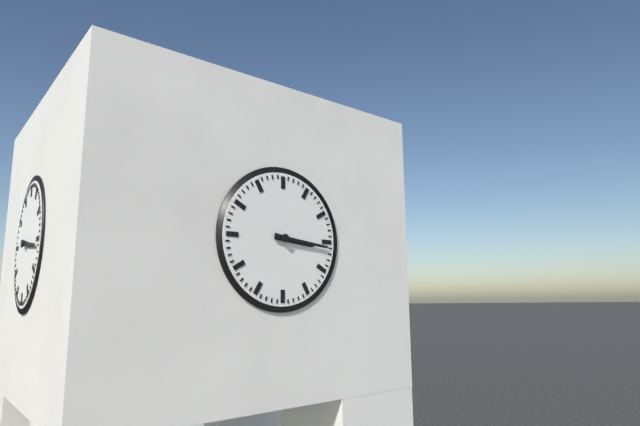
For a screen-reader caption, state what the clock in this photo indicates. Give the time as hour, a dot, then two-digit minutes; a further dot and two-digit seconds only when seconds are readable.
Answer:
3.16
